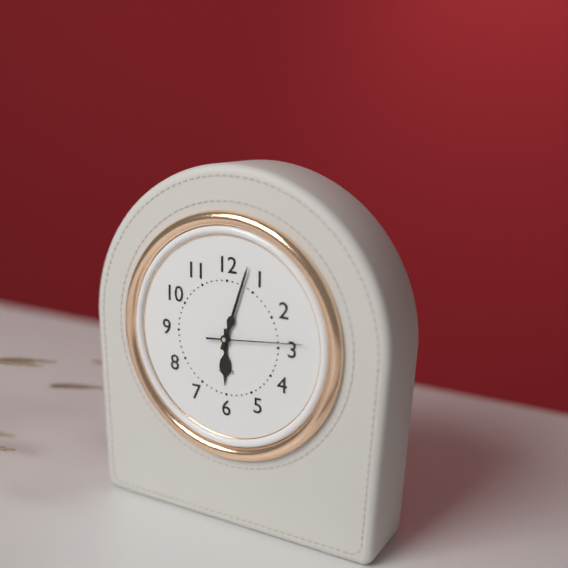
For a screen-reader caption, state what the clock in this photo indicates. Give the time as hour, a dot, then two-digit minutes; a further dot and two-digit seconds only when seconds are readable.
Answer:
6.03.14
